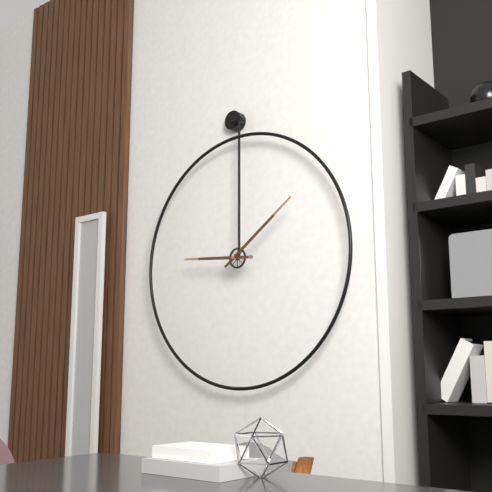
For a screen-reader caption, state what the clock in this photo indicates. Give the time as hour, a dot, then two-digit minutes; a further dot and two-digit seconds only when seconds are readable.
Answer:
9.09
